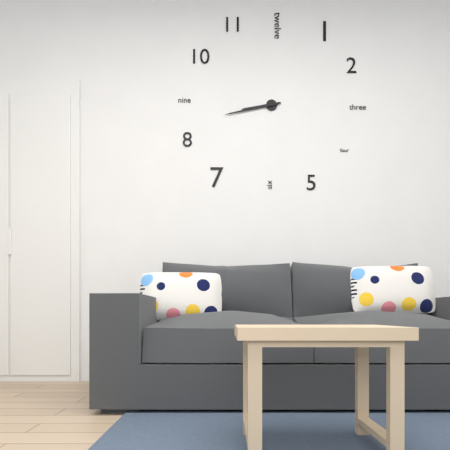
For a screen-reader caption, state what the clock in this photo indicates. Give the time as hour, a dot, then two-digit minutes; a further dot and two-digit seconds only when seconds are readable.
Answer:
8.43
